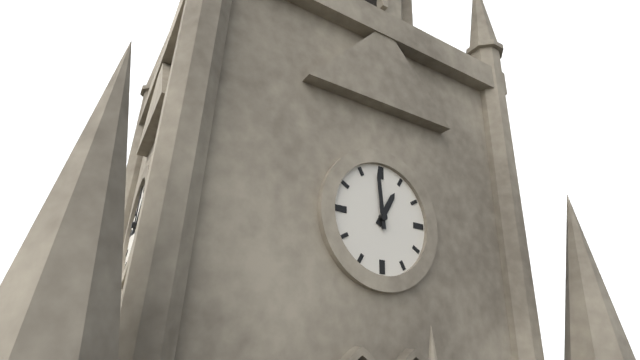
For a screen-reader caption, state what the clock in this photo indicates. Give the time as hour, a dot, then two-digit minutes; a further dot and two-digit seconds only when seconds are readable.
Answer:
12.59
